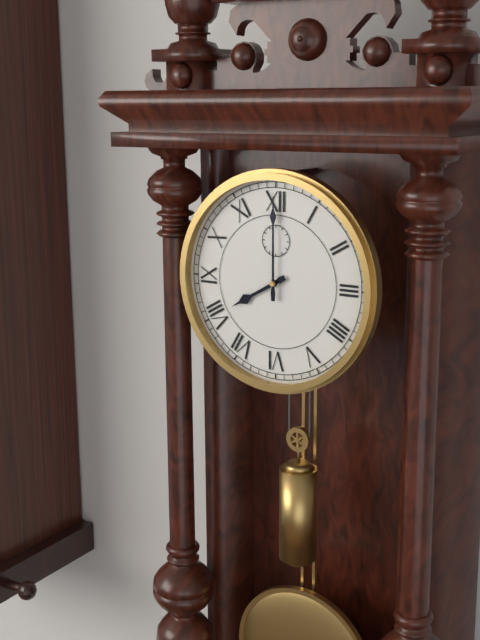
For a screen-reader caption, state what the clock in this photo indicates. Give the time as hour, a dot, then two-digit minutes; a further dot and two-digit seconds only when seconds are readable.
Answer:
8.00
